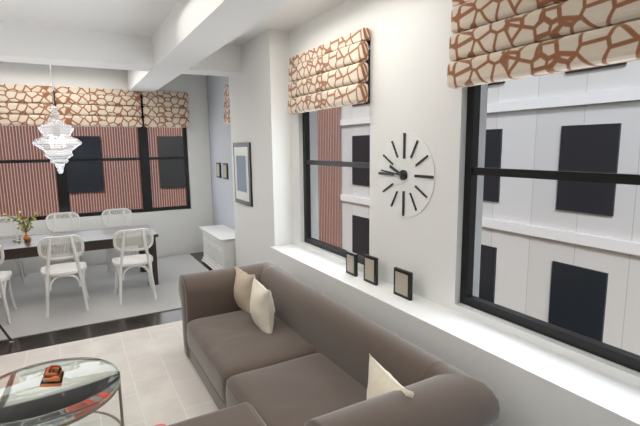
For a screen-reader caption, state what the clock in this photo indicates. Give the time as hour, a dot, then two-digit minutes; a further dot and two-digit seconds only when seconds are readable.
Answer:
9.46
